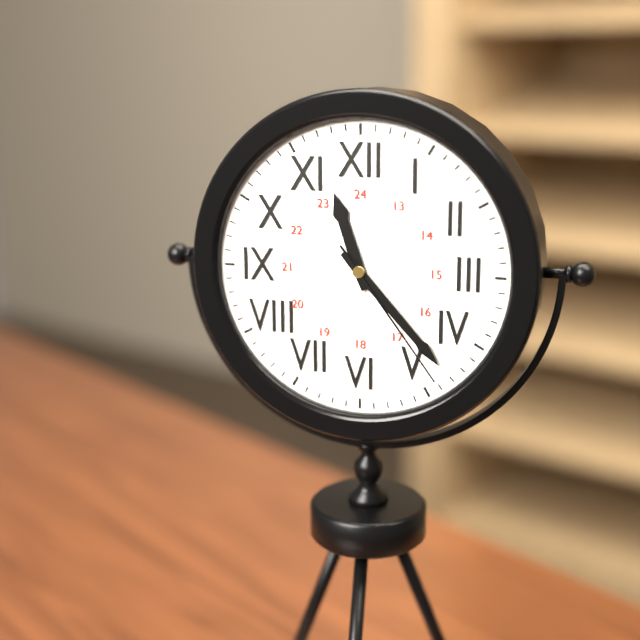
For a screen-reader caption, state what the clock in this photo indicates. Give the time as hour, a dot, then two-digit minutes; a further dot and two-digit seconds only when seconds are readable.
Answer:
11.23.24
